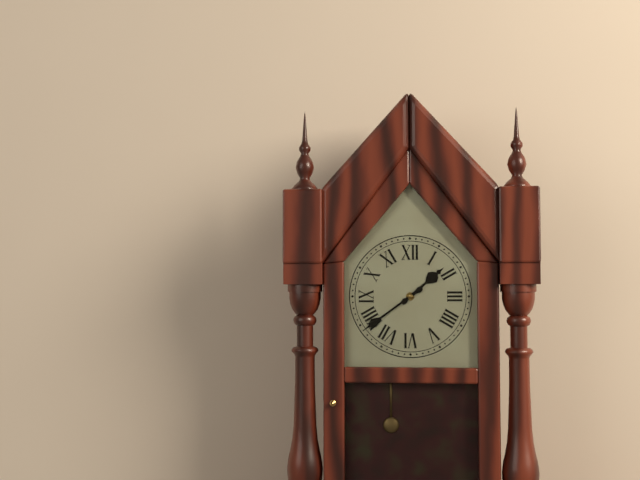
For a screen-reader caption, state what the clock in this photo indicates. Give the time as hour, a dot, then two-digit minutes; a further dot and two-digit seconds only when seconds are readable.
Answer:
1.39
